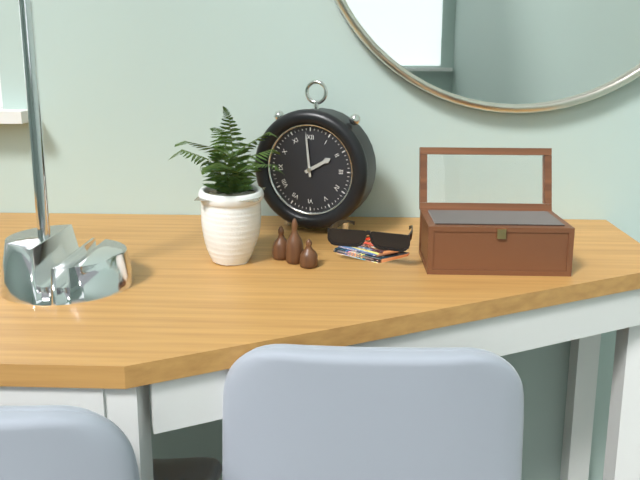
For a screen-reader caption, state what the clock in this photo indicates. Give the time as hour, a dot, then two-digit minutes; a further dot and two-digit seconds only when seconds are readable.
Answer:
1.59
